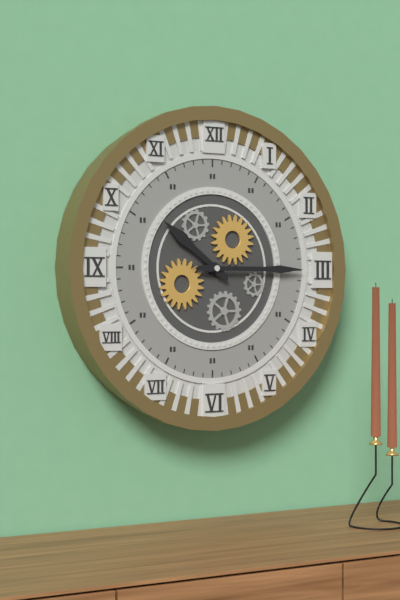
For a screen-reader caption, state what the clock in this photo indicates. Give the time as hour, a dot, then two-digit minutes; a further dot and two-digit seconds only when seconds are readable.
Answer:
10.15
